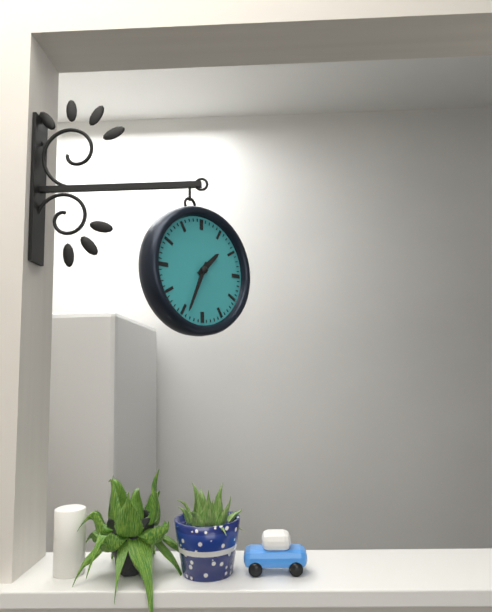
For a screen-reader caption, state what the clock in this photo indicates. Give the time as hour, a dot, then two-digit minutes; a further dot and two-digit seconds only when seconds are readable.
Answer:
1.34
